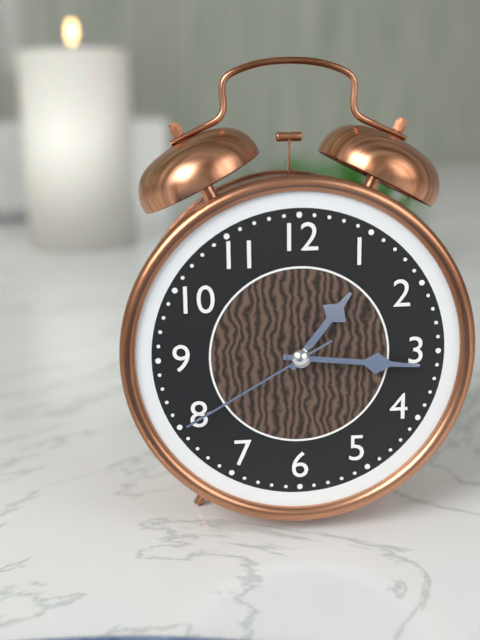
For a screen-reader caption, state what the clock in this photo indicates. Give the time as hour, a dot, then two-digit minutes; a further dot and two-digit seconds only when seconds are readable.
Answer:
1.16.40
